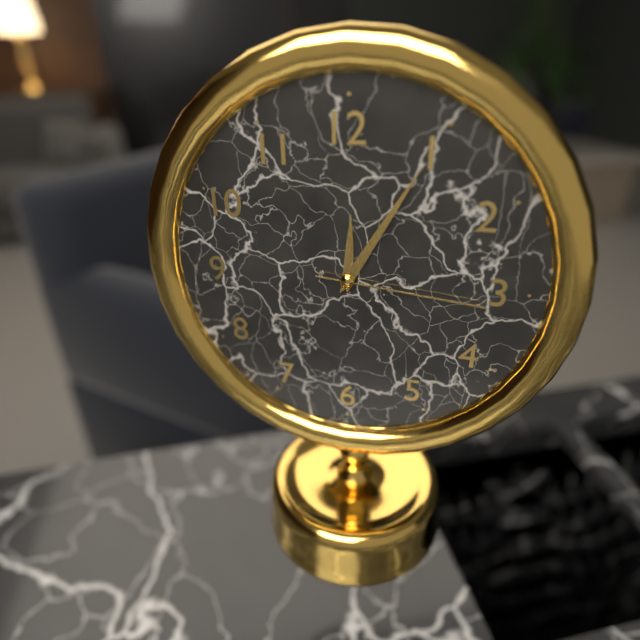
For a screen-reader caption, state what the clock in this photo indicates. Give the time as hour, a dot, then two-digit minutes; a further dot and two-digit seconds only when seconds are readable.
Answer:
12.05.16
